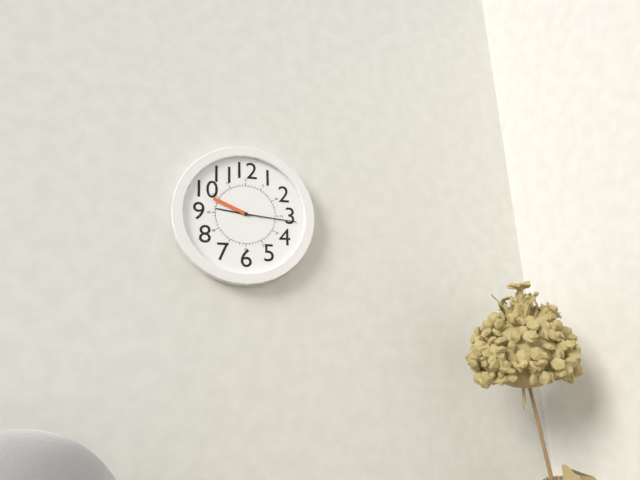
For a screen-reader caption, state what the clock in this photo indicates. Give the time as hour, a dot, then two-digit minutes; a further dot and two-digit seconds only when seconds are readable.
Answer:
9.16
